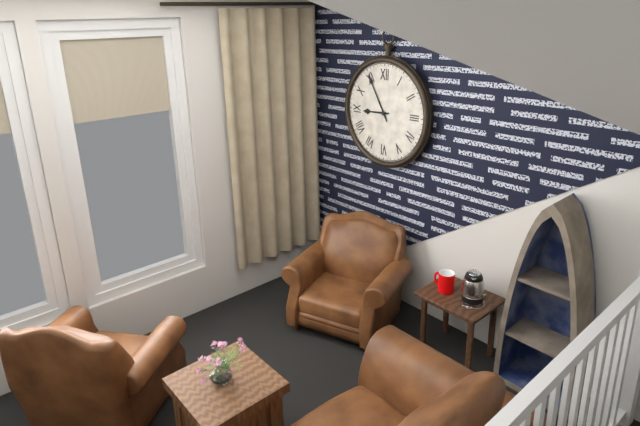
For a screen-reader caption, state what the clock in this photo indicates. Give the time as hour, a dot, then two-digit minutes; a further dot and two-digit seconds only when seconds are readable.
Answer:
8.55
